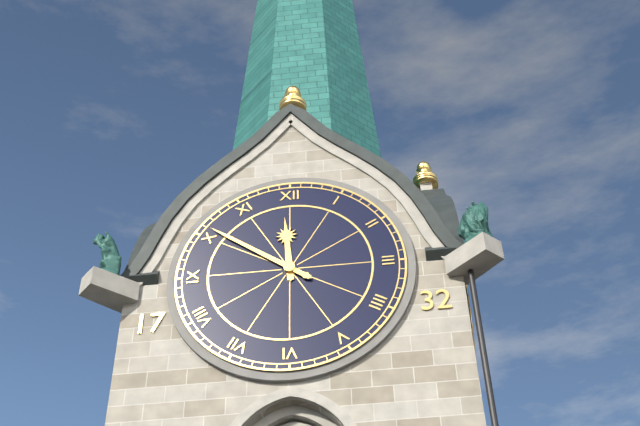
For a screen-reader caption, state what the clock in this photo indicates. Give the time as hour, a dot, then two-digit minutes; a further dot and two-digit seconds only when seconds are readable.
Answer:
11.51
